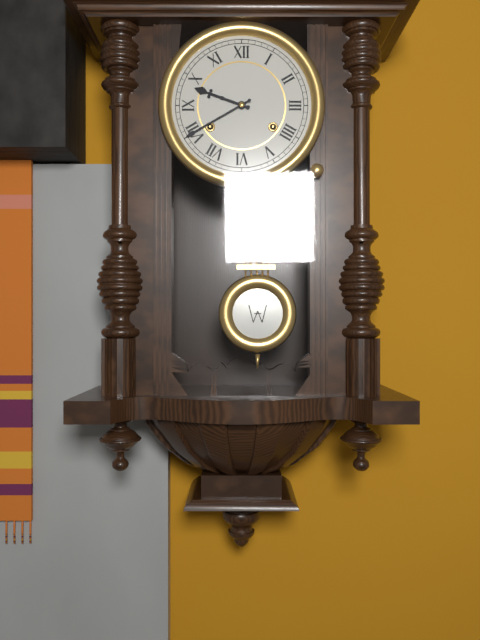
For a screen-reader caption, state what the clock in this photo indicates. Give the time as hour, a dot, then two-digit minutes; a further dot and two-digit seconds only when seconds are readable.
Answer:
9.40
